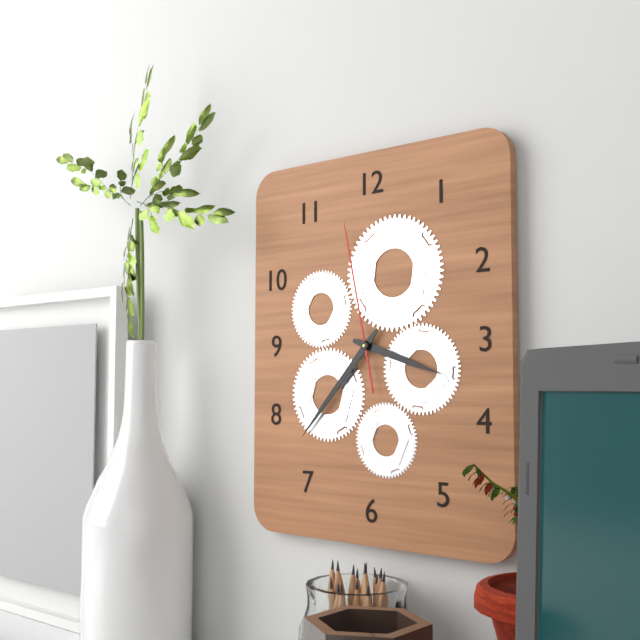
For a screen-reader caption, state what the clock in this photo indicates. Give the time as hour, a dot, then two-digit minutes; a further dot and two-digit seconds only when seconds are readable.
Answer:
3.37.58
